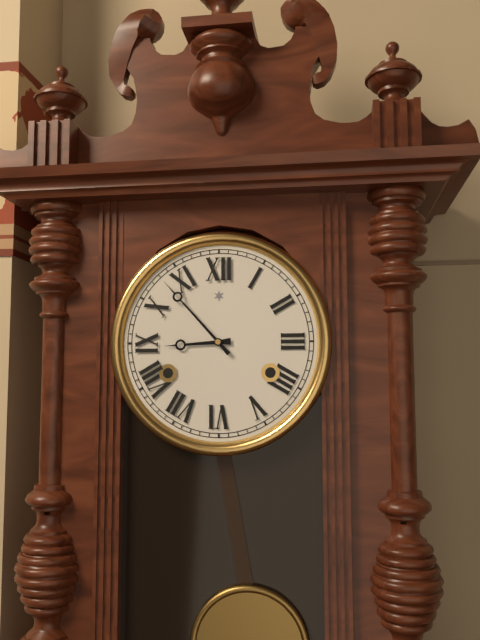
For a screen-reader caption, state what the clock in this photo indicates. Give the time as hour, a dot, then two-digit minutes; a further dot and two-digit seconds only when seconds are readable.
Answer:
8.53
